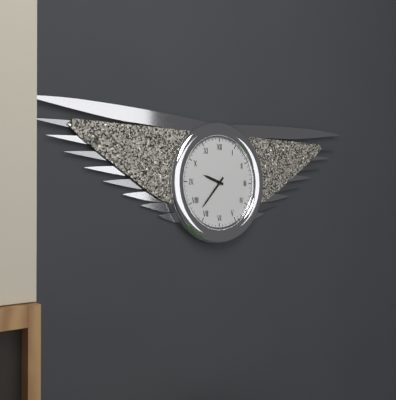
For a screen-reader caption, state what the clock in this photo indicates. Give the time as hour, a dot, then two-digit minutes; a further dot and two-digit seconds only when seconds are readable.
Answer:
9.37
